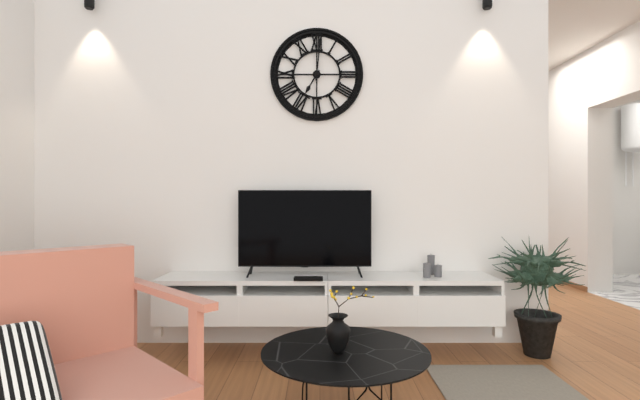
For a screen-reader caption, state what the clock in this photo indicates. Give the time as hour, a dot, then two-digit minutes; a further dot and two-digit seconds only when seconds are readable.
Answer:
7.01
